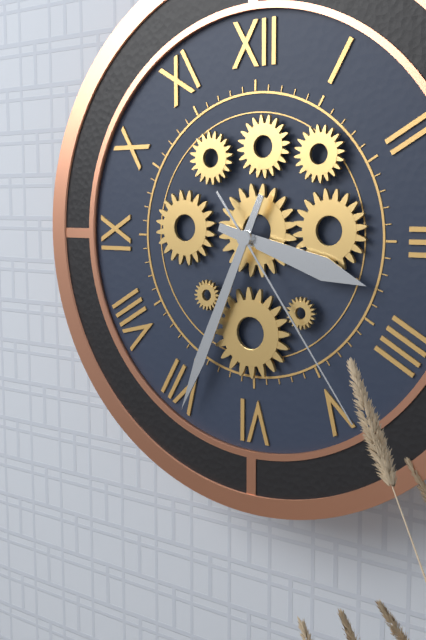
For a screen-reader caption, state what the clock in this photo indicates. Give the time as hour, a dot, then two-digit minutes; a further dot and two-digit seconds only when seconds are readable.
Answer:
3.34.24
